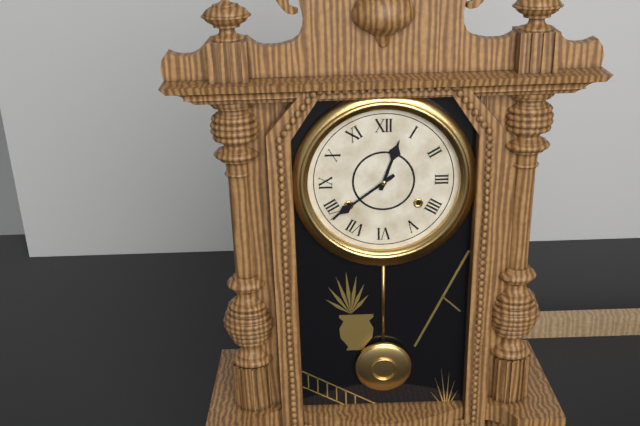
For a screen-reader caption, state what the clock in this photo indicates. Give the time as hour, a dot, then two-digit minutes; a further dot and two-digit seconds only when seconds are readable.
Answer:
12.39
